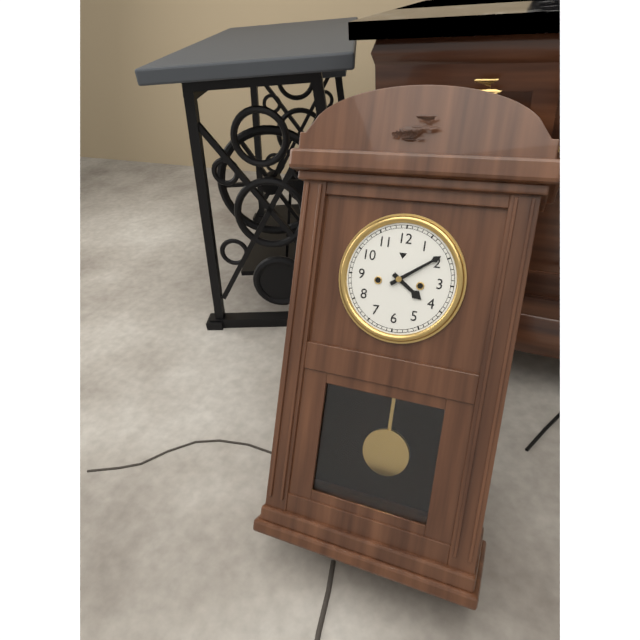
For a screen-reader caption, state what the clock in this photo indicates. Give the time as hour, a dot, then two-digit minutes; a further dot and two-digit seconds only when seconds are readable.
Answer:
4.09
